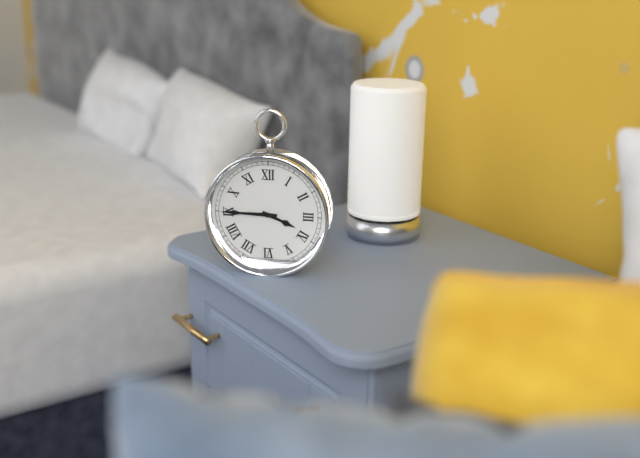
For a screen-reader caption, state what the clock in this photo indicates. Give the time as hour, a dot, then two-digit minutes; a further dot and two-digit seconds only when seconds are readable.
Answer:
3.45
